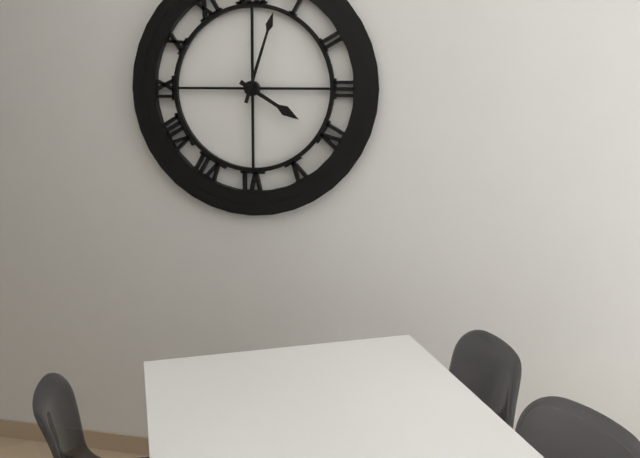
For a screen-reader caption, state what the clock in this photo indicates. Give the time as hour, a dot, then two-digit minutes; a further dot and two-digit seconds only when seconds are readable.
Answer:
4.03
